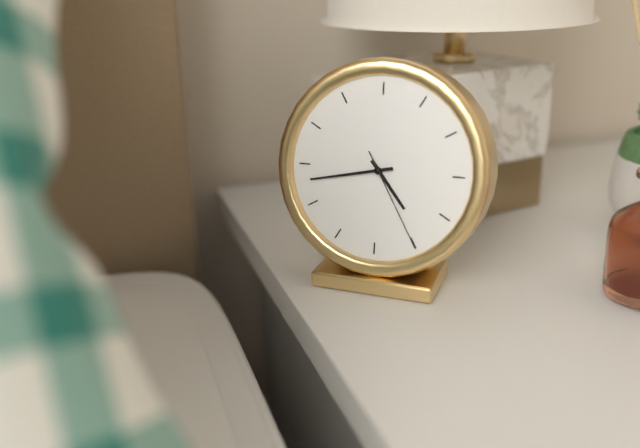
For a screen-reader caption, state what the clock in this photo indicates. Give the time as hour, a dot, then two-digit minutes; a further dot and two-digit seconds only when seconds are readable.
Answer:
4.43.25
